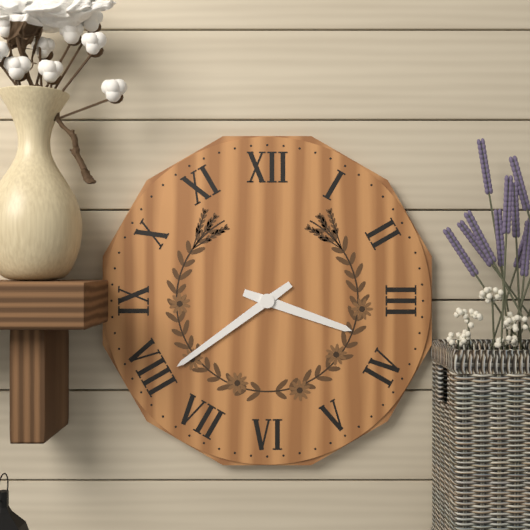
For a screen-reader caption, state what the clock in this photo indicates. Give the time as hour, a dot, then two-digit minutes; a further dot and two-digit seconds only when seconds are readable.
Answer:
3.39
